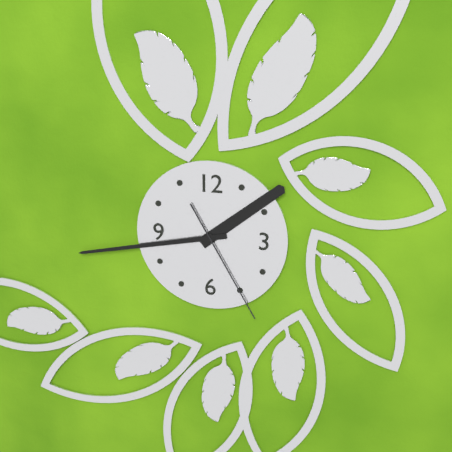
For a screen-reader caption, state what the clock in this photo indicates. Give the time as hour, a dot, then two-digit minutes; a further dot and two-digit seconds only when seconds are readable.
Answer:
1.43.25
